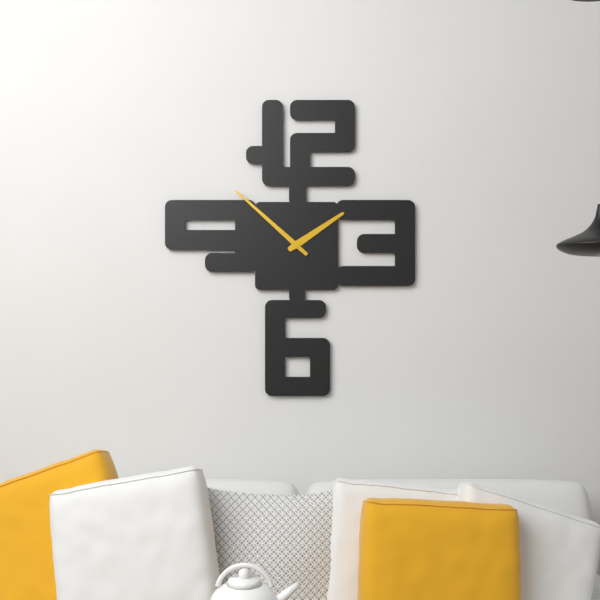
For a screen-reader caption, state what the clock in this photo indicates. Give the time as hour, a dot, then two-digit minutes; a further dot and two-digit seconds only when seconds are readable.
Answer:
1.52
